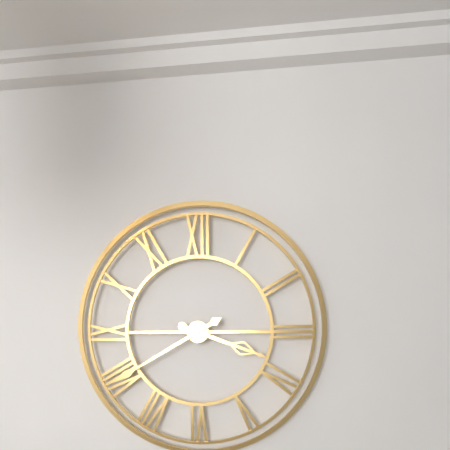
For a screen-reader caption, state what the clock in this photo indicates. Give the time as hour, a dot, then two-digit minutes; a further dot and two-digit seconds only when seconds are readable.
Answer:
3.40
